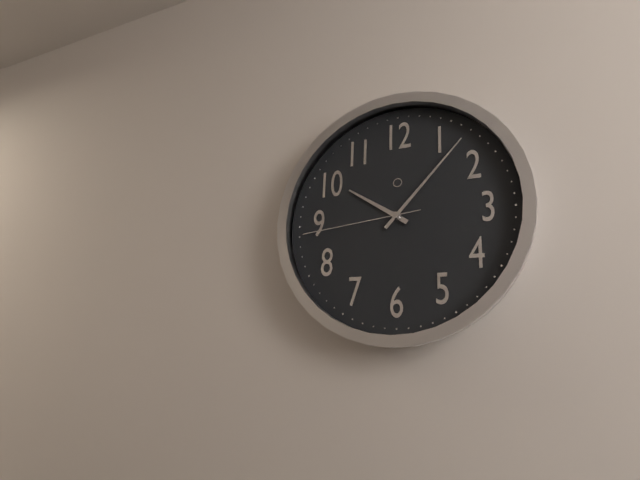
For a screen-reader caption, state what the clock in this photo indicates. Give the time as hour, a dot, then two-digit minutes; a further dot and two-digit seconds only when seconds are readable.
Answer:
10.07.44
